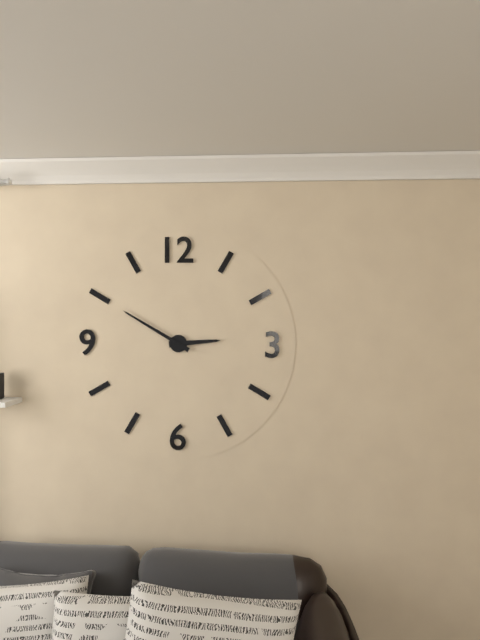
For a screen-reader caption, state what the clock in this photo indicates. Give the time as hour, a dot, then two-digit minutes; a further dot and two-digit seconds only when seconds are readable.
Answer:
2.50
